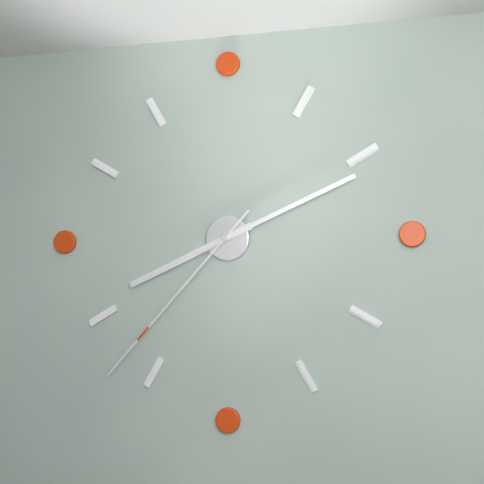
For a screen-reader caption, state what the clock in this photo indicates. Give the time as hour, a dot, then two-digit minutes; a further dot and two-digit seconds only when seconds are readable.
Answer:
8.11.37
